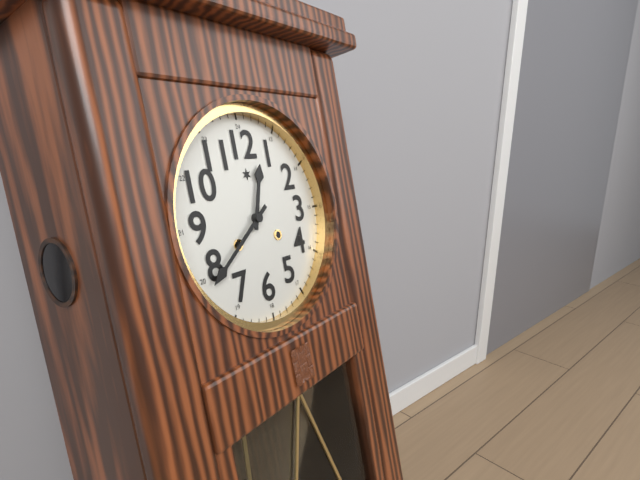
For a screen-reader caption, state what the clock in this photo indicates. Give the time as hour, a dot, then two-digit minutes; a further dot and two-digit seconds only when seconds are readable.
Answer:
12.39
